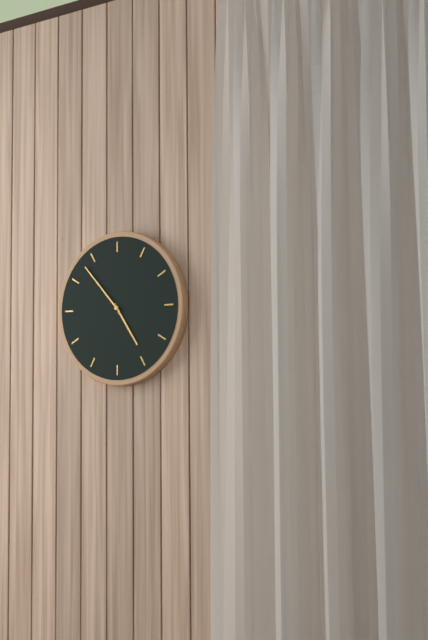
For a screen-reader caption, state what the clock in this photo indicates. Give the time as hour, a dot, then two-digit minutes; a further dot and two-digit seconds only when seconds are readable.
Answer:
4.53
